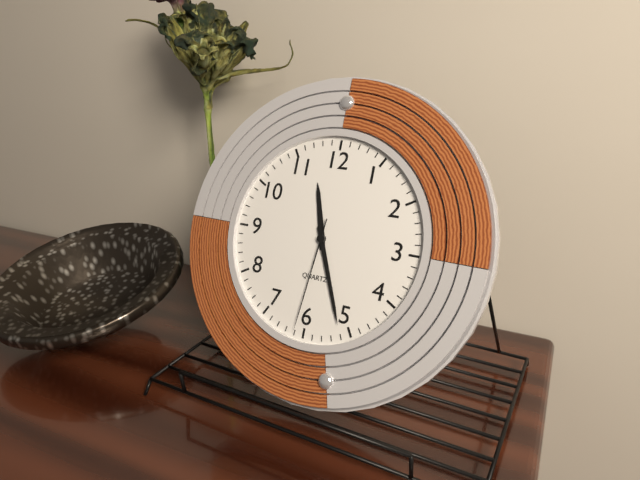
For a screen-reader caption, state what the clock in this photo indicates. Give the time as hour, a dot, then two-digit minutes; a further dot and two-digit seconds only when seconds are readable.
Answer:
11.26.31
